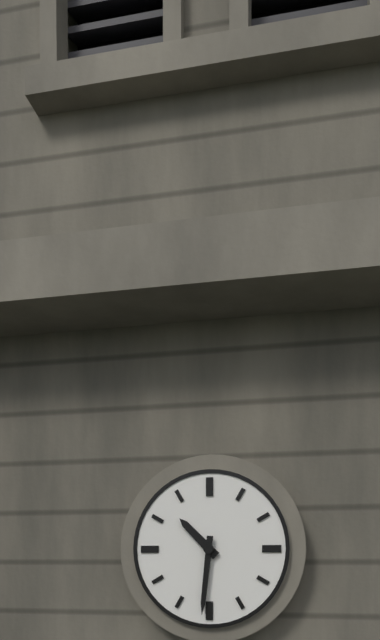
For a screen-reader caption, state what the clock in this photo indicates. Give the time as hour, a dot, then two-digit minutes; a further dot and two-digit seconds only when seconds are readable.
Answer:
10.31
